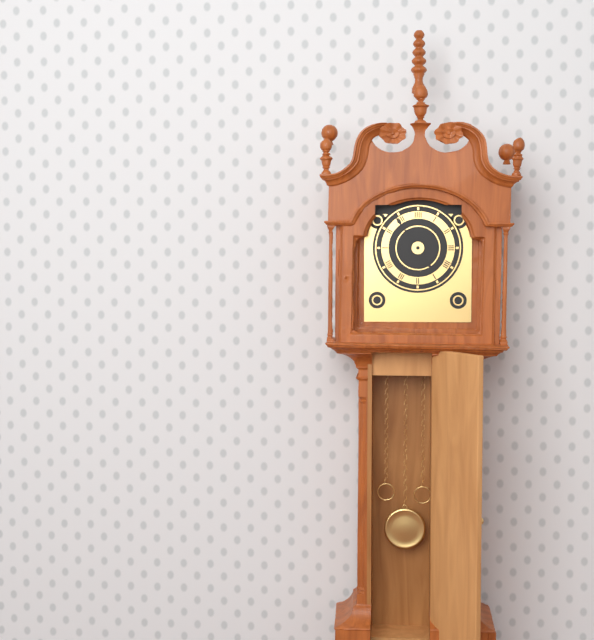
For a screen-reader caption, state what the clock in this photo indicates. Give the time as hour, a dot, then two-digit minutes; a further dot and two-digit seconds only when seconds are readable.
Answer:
4.54
